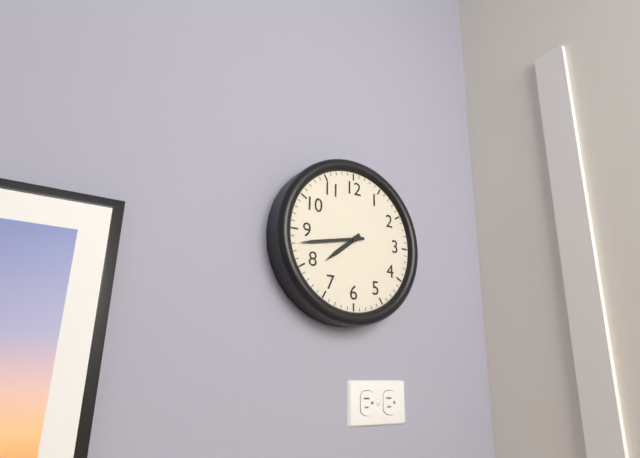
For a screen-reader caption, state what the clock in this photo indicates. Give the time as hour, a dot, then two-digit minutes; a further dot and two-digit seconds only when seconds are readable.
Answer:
7.43
